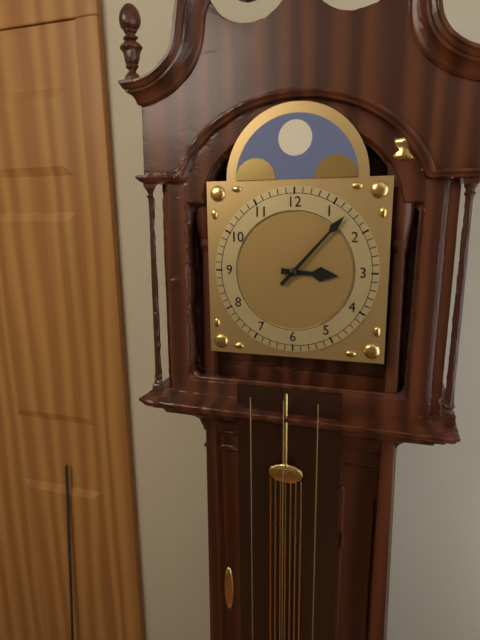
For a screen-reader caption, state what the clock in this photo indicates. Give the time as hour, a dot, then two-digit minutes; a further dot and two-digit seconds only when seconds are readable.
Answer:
3.07
